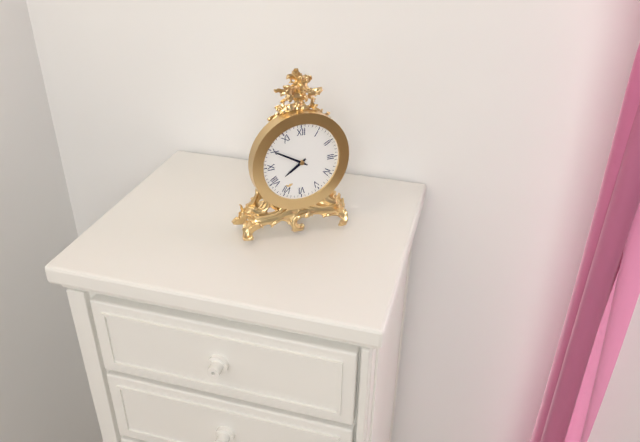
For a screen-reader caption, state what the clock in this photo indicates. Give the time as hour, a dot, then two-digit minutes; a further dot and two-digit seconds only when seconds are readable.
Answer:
7.50
